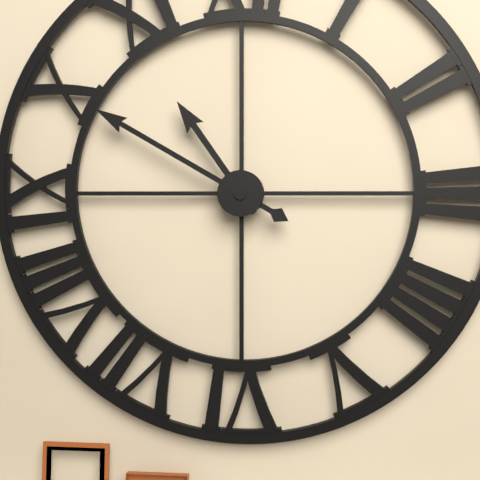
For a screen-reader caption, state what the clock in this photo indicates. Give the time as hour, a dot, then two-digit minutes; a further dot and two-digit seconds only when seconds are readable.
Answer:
10.50
